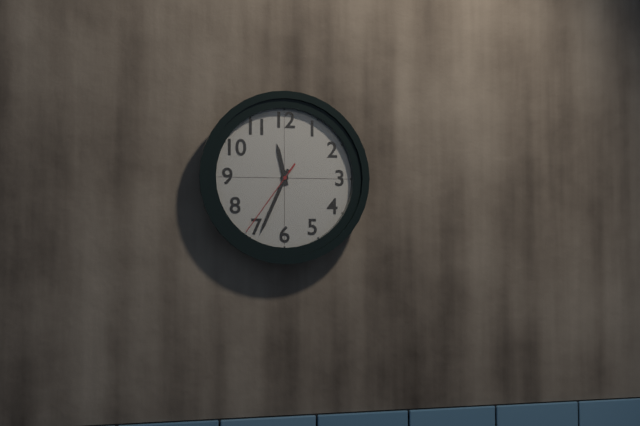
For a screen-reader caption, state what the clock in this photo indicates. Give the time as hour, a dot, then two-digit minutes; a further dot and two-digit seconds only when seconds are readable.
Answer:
11.34.36
